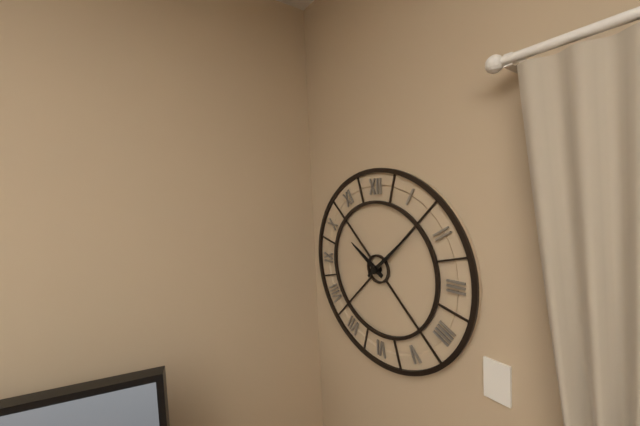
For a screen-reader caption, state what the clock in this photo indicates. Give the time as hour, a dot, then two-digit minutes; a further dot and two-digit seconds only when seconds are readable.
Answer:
10.08
